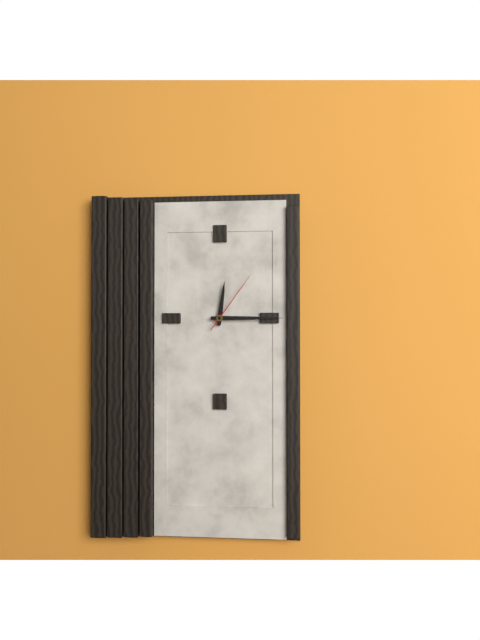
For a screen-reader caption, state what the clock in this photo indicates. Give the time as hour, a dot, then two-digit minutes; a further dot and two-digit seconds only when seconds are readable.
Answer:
12.15.06
